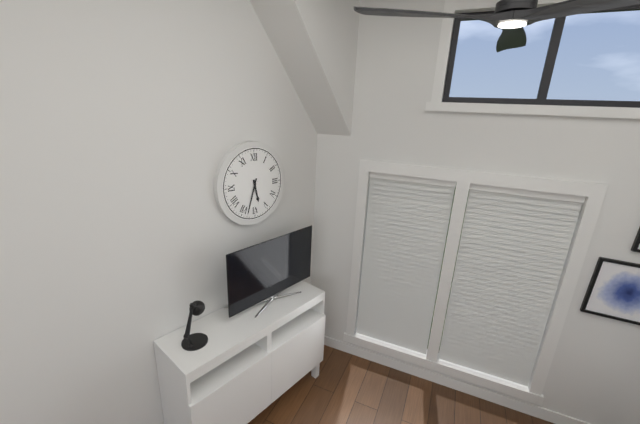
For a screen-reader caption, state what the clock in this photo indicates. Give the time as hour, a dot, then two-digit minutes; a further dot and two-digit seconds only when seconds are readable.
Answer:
5.33
